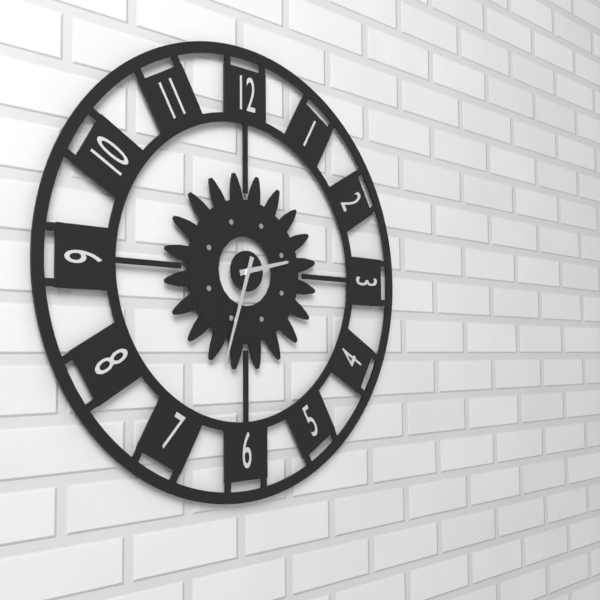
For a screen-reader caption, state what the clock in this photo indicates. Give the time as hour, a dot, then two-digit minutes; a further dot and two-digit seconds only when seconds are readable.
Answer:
2.33
